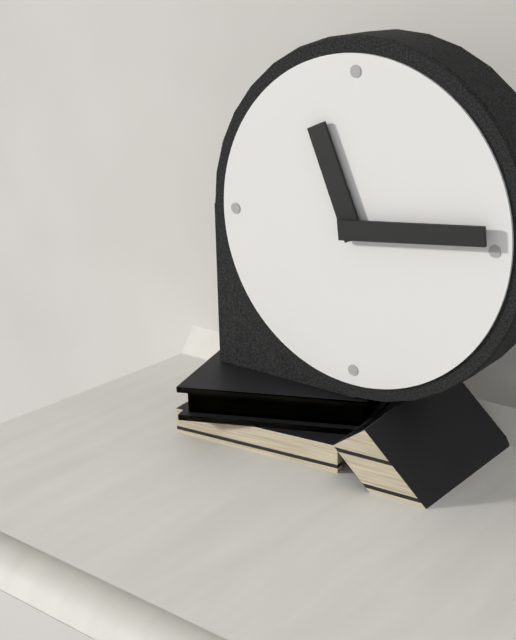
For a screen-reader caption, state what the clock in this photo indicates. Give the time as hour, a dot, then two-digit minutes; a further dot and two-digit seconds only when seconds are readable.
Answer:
11.14
